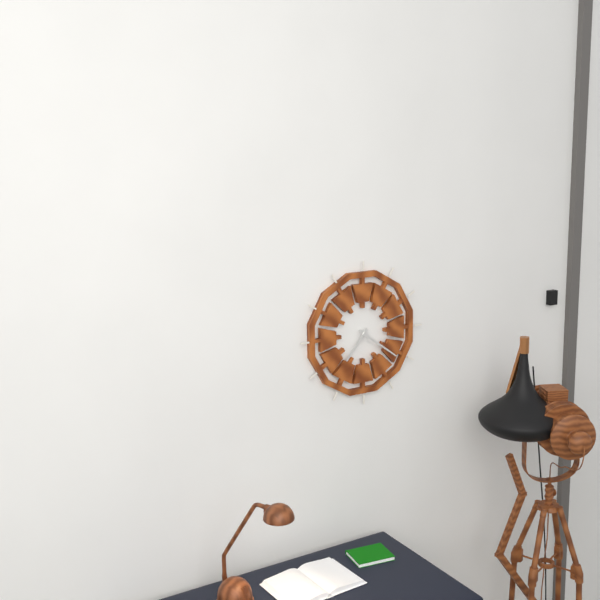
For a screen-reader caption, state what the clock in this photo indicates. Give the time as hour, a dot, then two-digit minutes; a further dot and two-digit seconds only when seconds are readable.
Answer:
7.21
